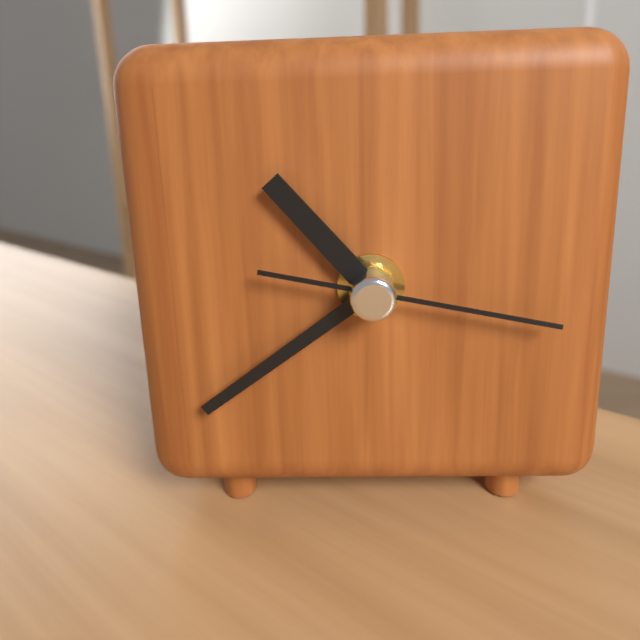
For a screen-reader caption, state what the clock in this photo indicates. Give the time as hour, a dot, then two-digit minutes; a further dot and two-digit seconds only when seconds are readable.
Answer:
10.39.17
